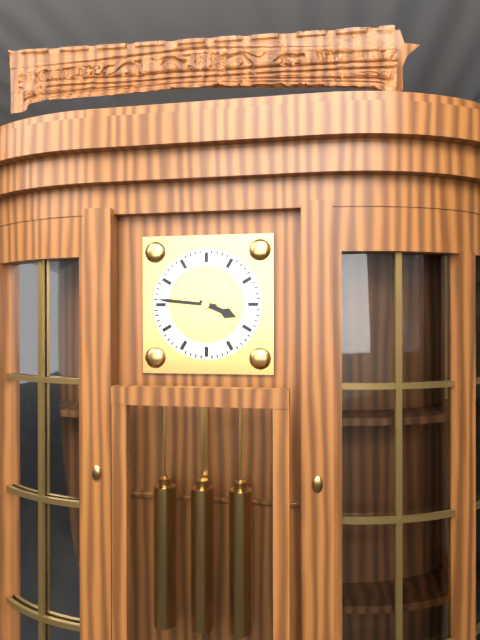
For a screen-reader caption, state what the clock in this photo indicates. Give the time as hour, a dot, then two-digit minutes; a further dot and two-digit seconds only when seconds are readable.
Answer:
3.46
